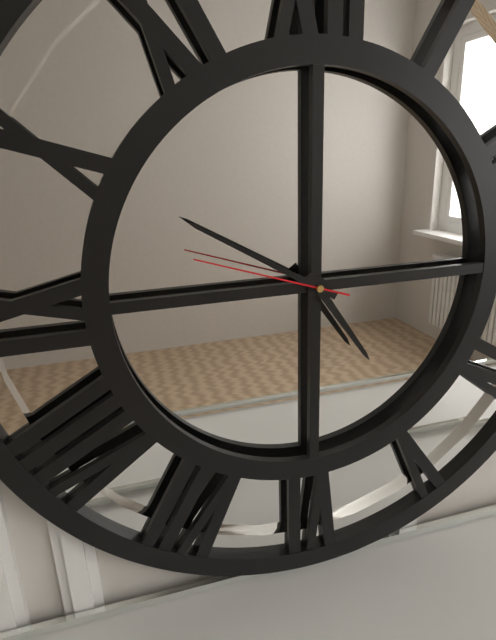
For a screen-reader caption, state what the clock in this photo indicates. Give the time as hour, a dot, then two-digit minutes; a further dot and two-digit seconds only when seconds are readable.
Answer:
4.50.48
